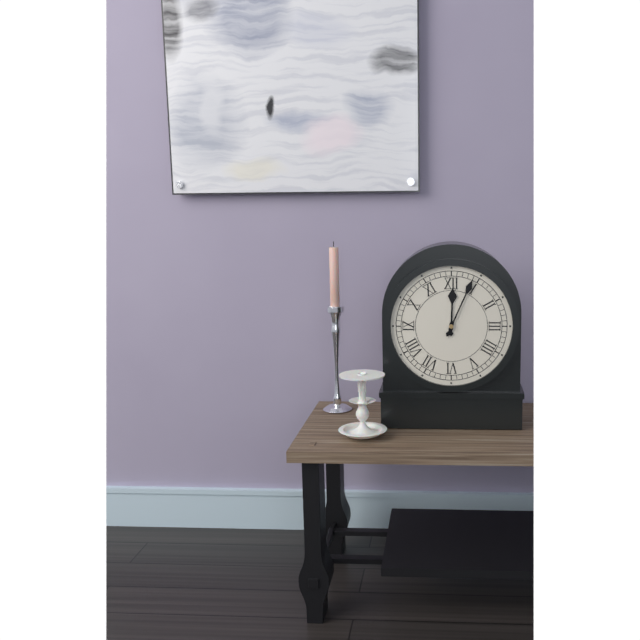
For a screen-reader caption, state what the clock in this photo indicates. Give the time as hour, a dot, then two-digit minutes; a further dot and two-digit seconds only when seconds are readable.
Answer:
12.04
